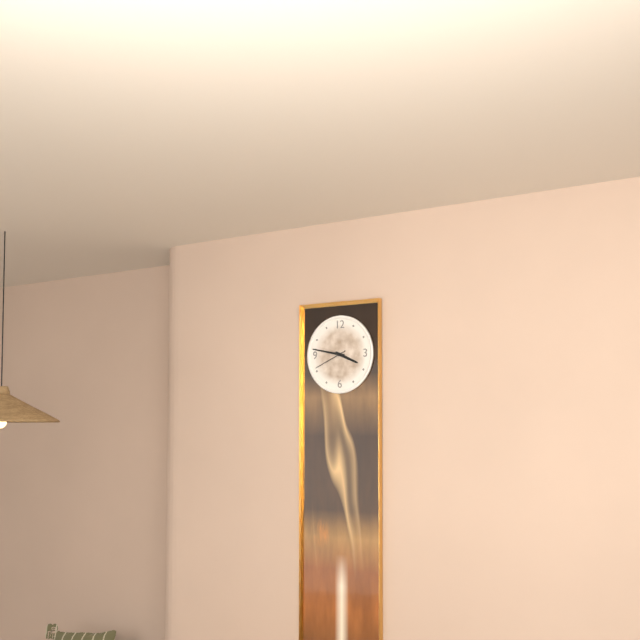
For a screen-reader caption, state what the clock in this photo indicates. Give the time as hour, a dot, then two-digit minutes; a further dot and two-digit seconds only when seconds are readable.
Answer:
3.47
